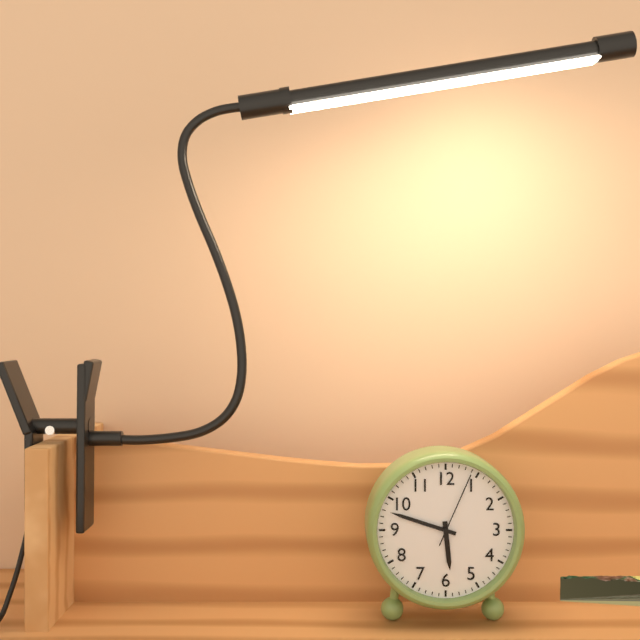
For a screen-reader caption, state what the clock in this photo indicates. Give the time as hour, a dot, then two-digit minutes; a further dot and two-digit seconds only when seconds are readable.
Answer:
5.48.04
